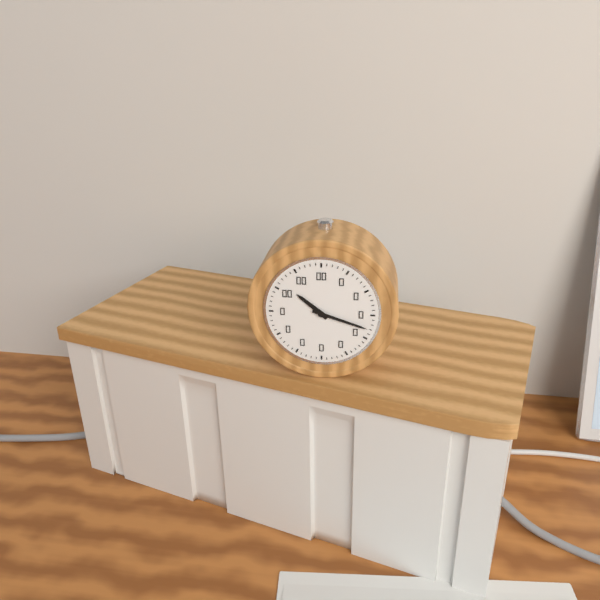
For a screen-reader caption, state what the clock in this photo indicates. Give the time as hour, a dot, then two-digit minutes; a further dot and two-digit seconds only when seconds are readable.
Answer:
10.18
